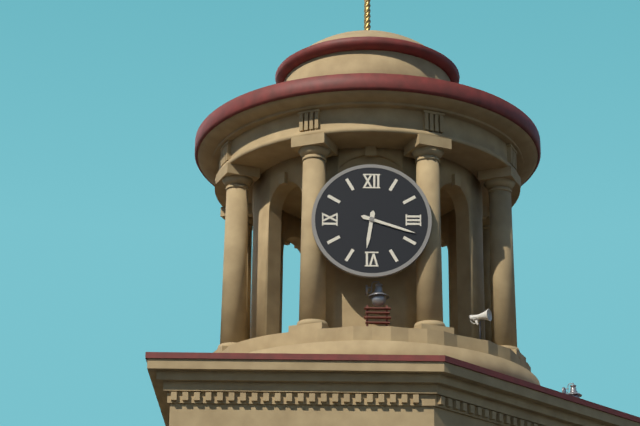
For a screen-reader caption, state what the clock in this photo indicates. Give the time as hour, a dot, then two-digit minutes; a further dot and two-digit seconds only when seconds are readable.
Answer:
6.18
